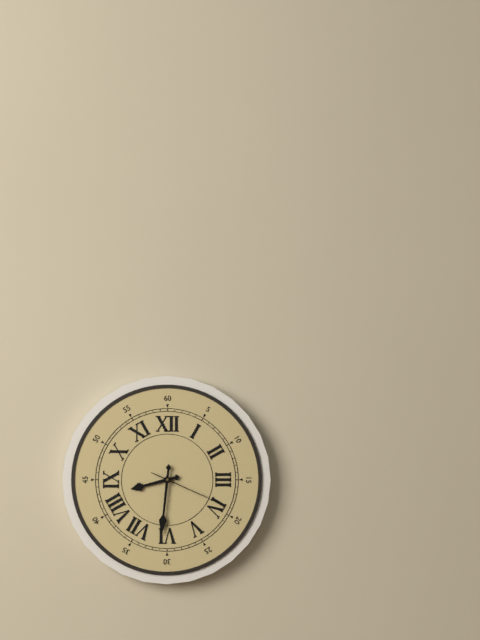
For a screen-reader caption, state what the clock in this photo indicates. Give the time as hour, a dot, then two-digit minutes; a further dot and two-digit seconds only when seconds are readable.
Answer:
8.31.19
